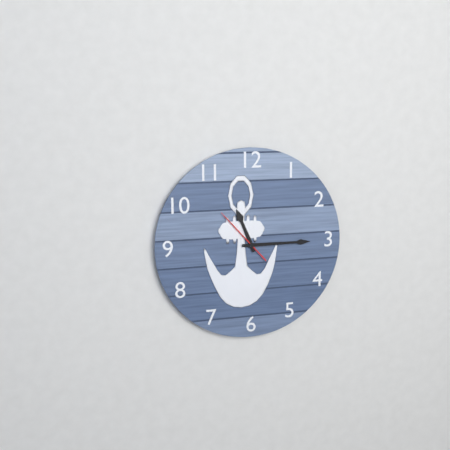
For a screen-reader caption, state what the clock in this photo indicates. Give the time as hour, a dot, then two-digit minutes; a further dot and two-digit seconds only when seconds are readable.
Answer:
11.15.53
